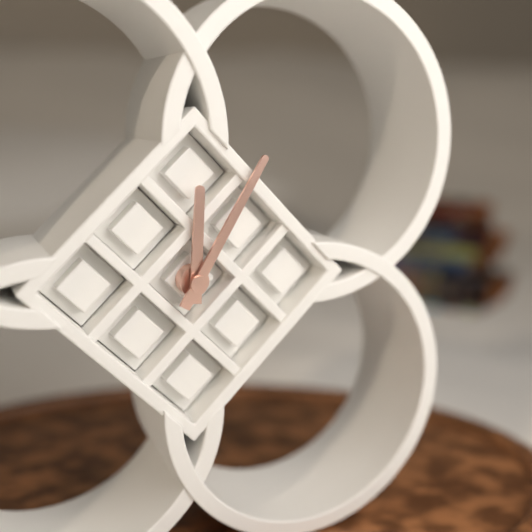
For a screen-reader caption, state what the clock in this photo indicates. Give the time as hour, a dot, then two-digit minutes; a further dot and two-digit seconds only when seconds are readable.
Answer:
12.05
